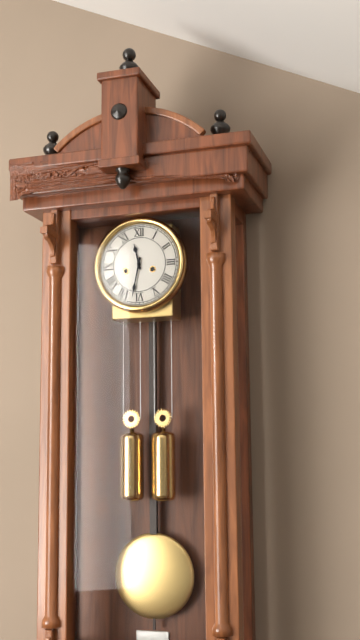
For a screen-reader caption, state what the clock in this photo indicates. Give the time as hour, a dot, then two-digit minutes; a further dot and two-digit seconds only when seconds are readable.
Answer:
11.32
